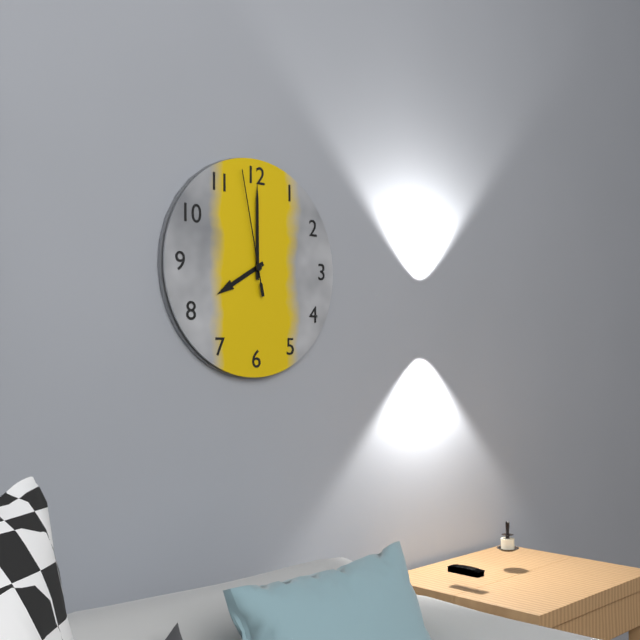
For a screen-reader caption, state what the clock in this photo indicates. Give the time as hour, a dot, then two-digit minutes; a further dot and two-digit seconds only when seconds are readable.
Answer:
8.00.58
